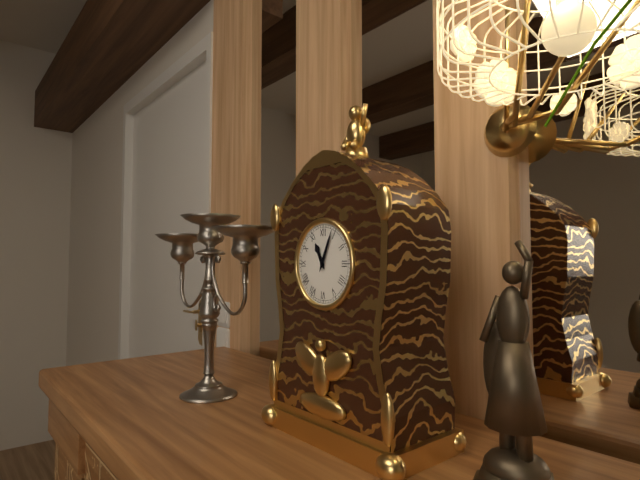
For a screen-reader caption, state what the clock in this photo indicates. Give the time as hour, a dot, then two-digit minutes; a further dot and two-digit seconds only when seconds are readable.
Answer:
11.04
